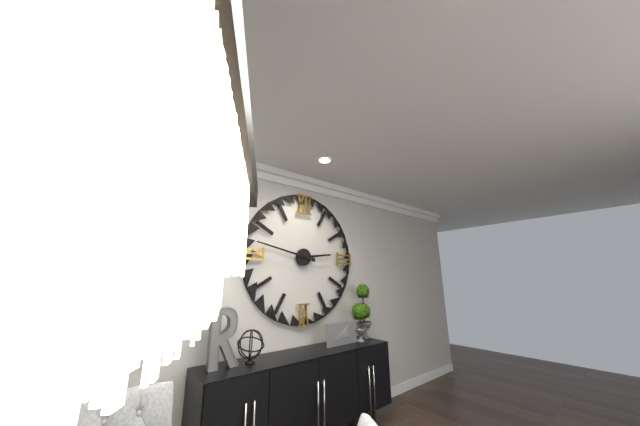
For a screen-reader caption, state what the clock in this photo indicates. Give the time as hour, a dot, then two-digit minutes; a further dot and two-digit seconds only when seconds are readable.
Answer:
2.47
